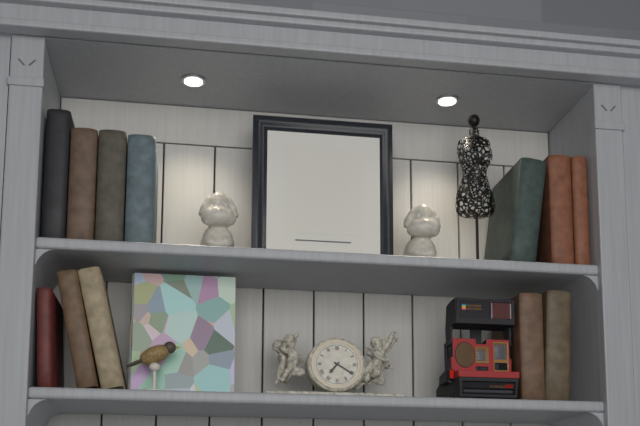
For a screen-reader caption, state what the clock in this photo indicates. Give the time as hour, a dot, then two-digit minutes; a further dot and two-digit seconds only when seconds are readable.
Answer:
7.20
